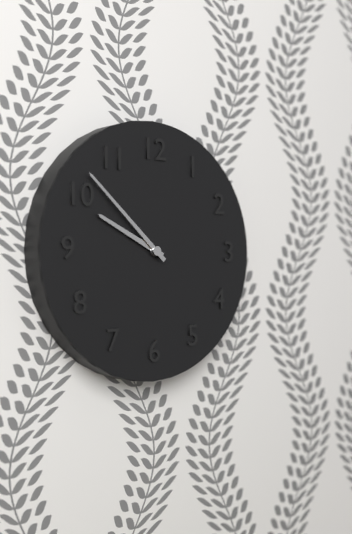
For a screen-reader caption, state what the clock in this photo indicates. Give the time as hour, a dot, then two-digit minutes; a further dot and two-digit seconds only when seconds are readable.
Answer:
9.52
